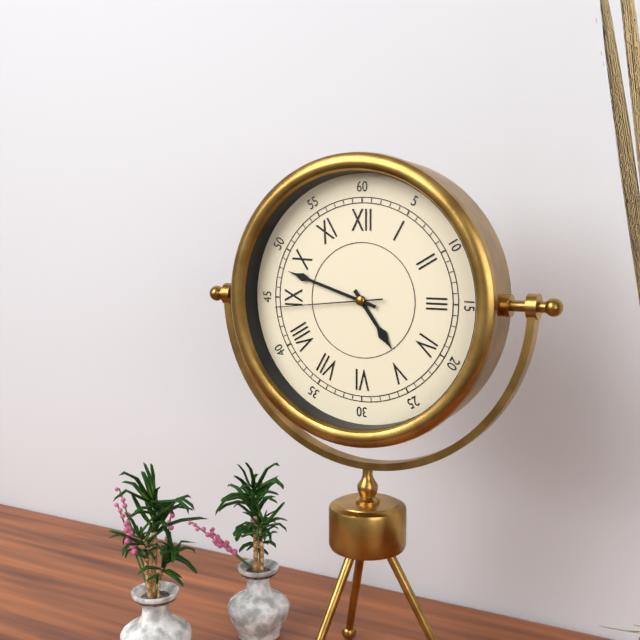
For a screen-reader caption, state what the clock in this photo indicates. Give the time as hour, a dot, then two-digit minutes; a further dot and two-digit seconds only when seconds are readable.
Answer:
4.48.44
